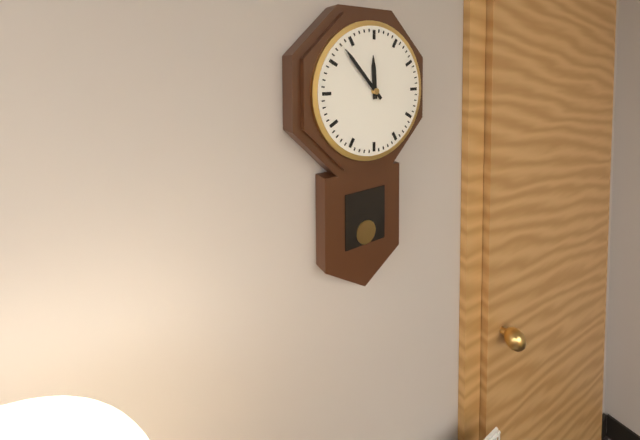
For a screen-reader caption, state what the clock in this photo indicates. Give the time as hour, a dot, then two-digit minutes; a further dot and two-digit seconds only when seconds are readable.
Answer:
11.53
